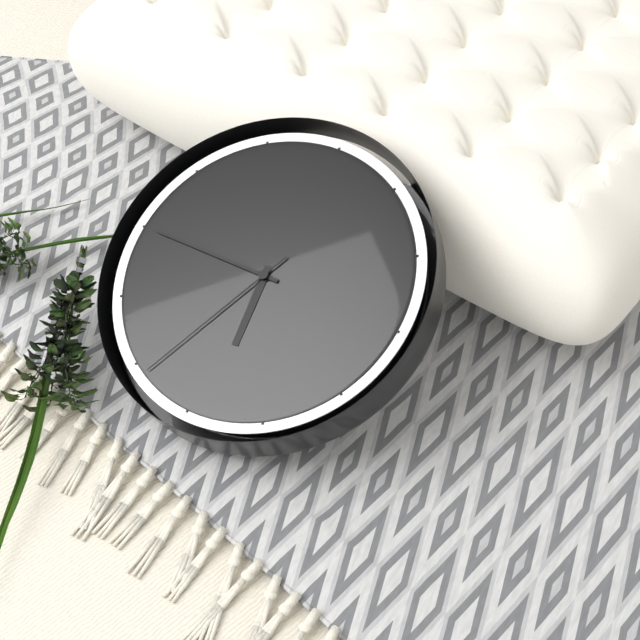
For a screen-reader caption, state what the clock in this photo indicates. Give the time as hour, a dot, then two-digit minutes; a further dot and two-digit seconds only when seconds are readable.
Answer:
5.45.34
